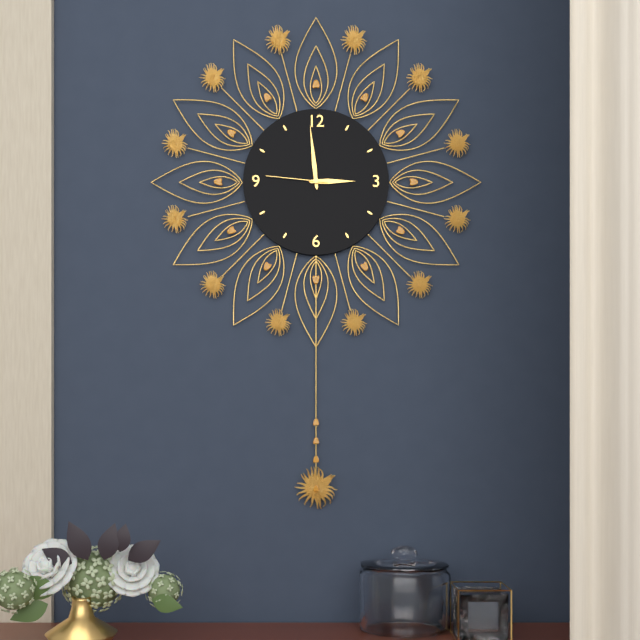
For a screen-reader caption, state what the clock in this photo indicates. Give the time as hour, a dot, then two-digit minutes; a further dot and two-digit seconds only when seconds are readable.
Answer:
2.59.46
